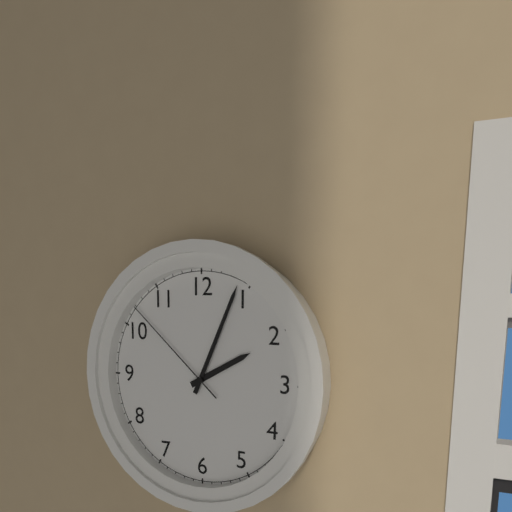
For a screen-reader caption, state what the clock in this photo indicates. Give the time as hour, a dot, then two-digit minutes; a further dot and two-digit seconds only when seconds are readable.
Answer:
2.04.52
